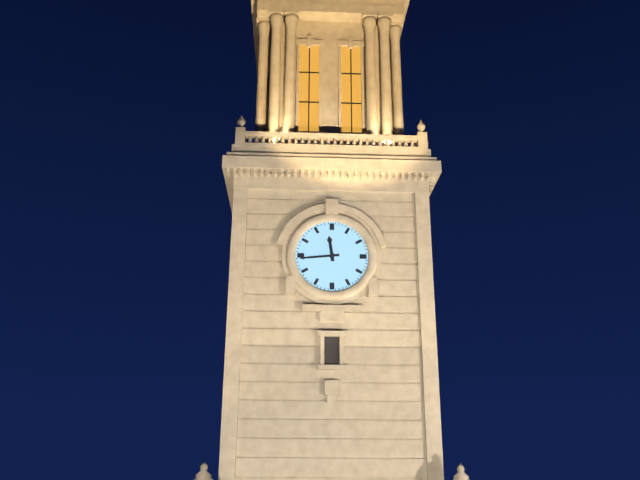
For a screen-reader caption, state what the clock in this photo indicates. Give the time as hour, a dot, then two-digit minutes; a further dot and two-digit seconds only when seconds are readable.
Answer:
11.44
